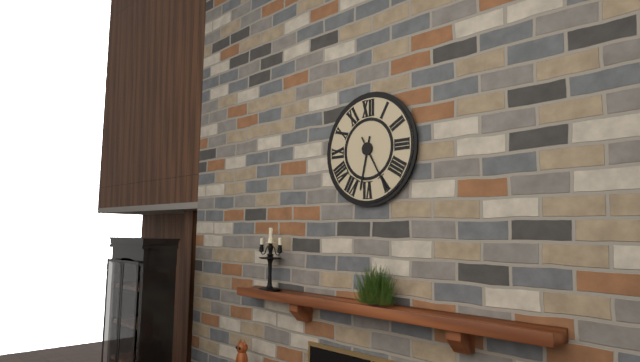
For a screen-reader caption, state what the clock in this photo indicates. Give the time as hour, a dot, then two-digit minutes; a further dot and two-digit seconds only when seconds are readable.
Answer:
6.25
